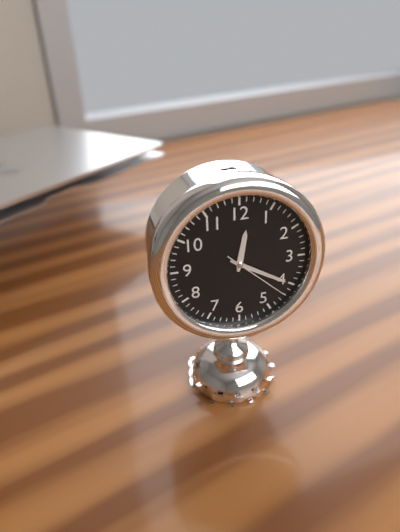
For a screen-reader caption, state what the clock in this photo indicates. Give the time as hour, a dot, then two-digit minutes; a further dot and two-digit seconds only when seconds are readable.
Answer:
12.20.22
